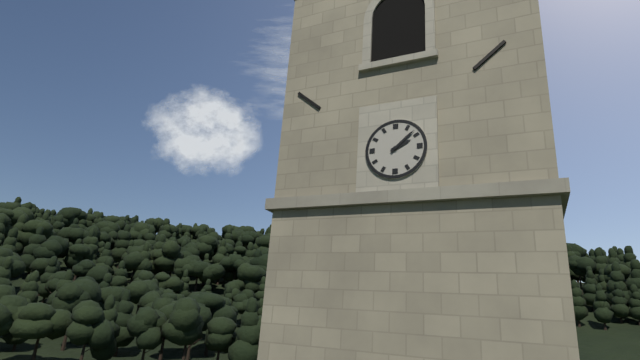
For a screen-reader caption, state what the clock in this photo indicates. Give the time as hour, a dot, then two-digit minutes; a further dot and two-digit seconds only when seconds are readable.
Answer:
2.08
